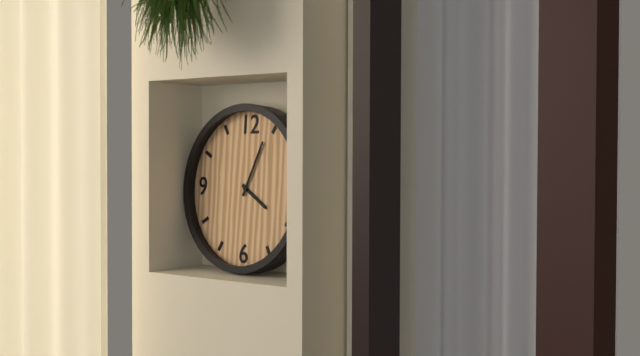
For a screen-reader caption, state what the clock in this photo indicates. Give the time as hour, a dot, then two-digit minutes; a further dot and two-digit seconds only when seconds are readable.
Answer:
4.04
